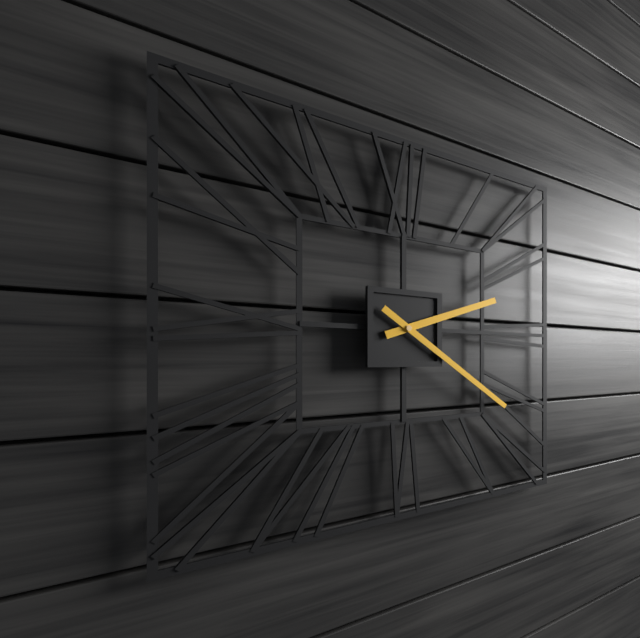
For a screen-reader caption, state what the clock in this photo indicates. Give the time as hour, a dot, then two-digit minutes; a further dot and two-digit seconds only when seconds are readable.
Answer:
2.21
